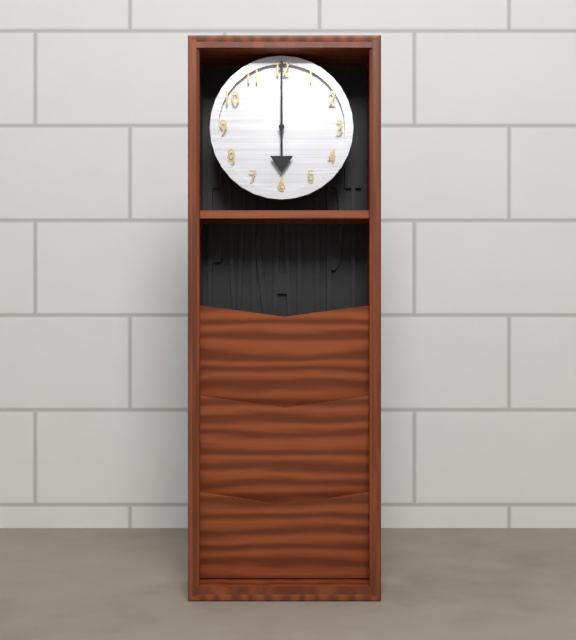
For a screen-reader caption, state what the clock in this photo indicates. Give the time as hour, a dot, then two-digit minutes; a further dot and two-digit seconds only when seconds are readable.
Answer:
6.00
